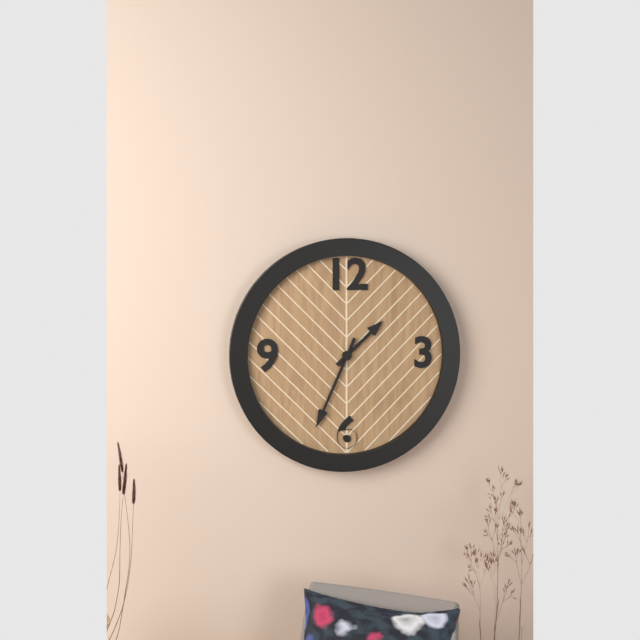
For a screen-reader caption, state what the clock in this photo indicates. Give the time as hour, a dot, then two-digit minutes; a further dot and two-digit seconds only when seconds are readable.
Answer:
1.34
